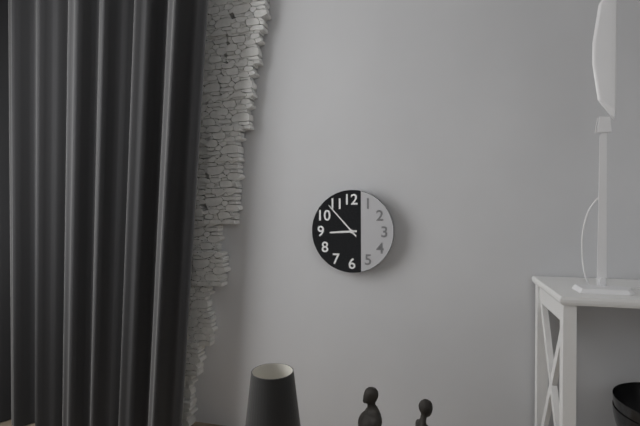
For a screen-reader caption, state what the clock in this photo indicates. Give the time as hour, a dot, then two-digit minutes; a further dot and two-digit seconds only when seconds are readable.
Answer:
8.53
